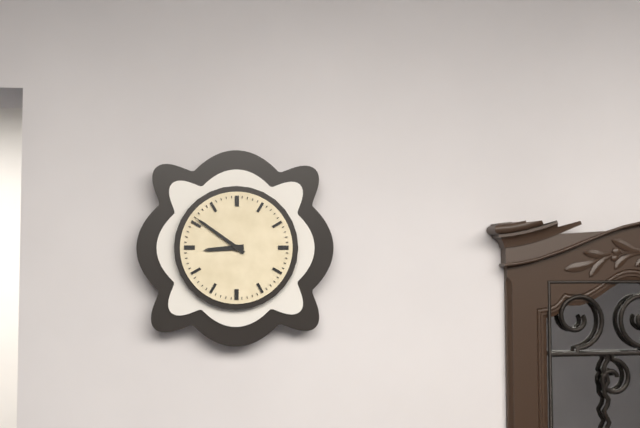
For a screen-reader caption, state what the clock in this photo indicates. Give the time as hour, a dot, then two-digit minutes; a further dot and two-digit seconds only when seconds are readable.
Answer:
8.51
